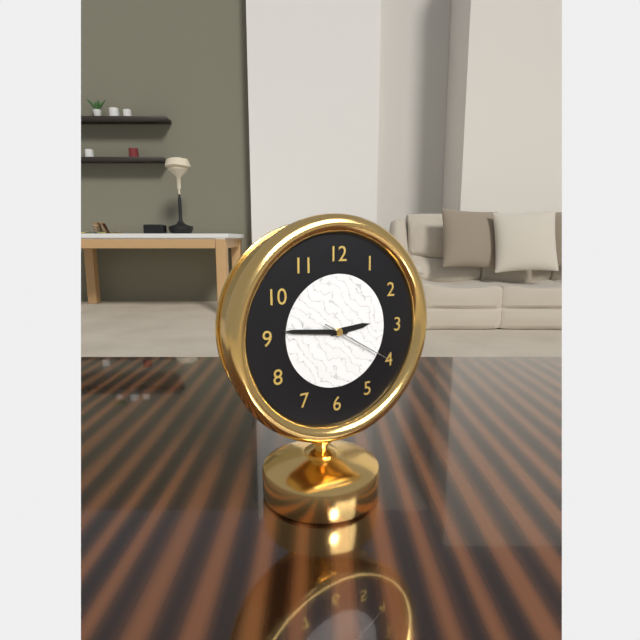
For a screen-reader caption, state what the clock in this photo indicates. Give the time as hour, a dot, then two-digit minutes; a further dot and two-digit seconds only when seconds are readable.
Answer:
2.46.20
